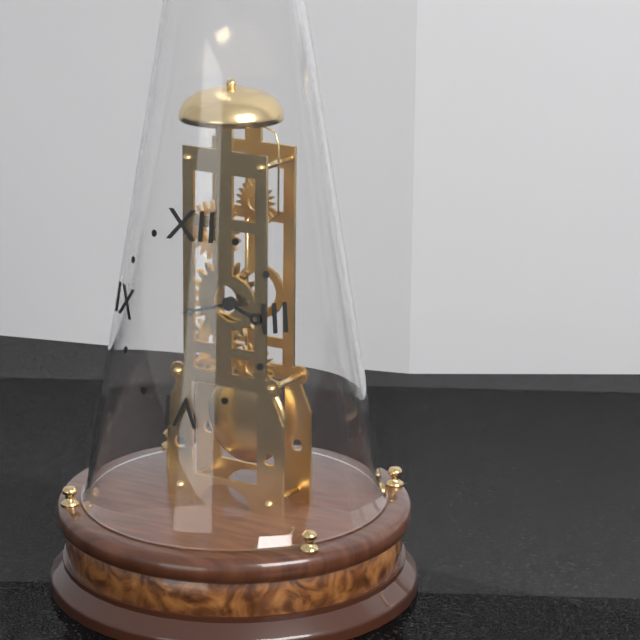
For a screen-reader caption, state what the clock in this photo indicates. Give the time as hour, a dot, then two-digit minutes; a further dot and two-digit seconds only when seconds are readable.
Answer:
3.42
